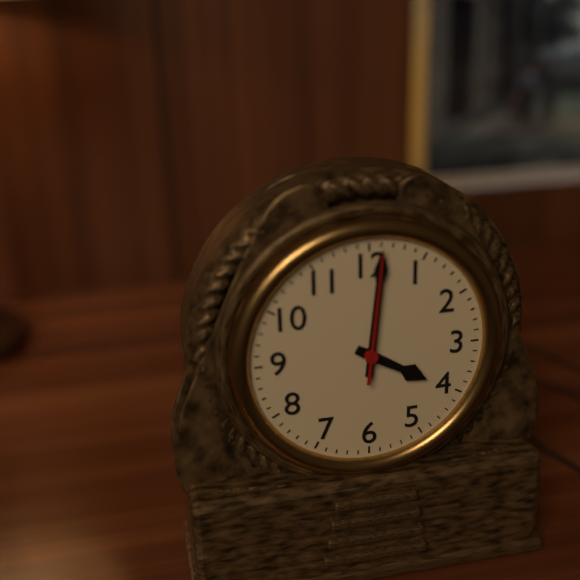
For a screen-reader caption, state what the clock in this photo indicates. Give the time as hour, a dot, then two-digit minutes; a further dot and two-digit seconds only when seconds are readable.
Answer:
4.01.01
